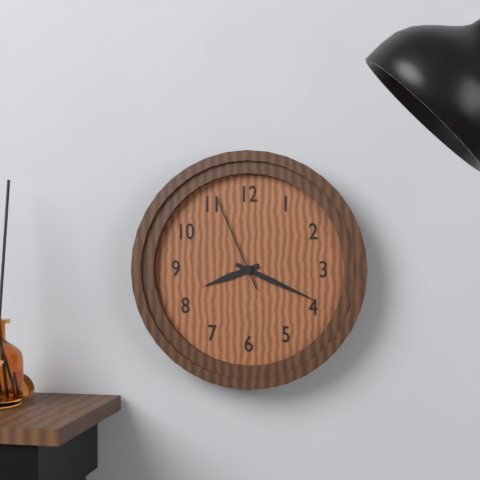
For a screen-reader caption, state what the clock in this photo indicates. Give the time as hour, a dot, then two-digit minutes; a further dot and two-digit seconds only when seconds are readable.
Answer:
8.19.56
